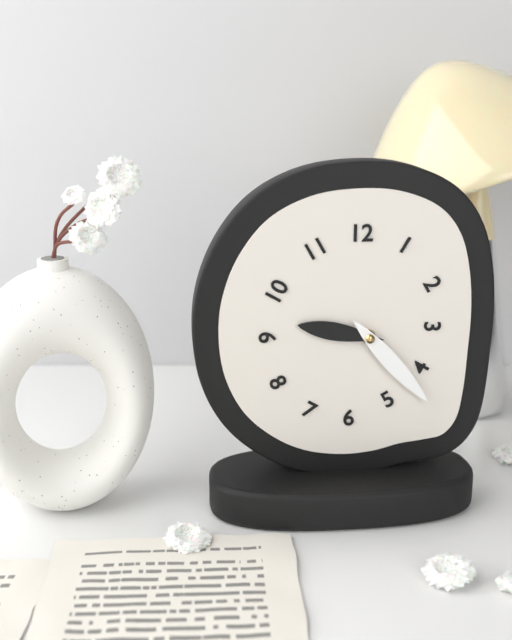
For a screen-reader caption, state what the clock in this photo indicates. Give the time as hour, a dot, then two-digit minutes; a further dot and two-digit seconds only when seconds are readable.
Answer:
9.23
